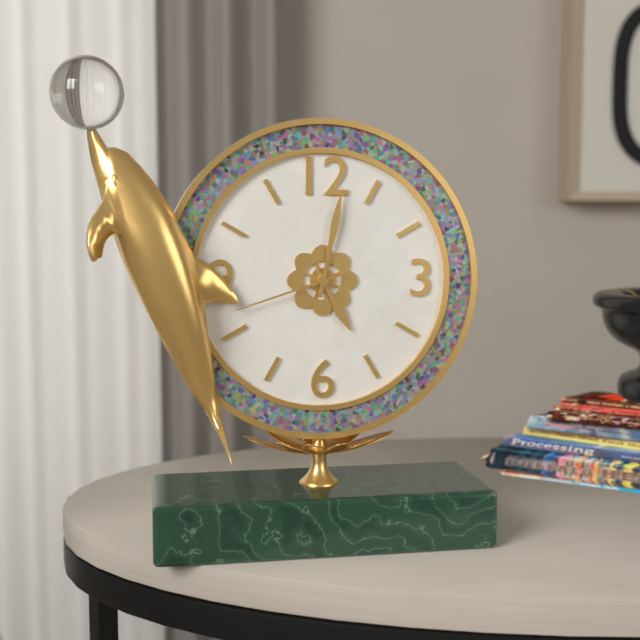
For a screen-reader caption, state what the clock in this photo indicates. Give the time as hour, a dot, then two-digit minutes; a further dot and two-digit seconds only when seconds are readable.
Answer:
5.02.42
